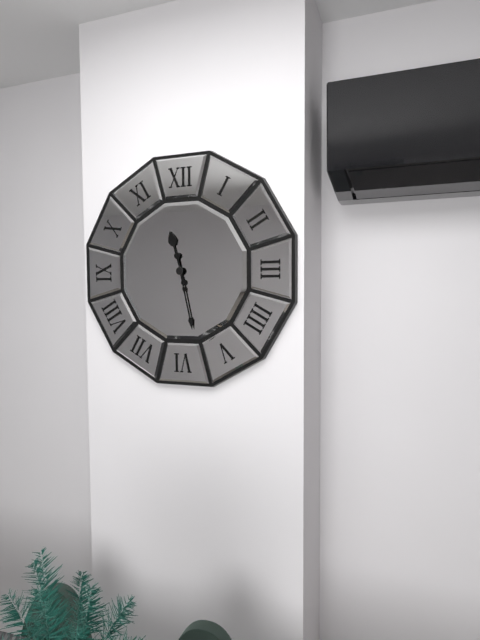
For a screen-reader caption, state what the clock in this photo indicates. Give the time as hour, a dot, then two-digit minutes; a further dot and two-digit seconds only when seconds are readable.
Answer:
11.28
